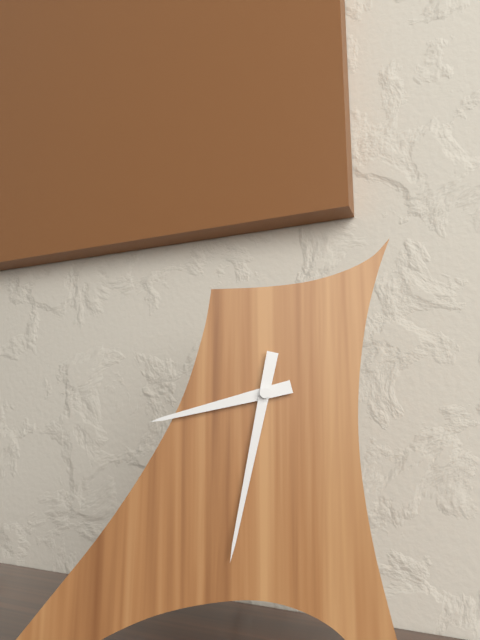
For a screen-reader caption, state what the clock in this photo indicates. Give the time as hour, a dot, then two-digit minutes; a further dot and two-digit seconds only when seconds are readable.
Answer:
8.32
